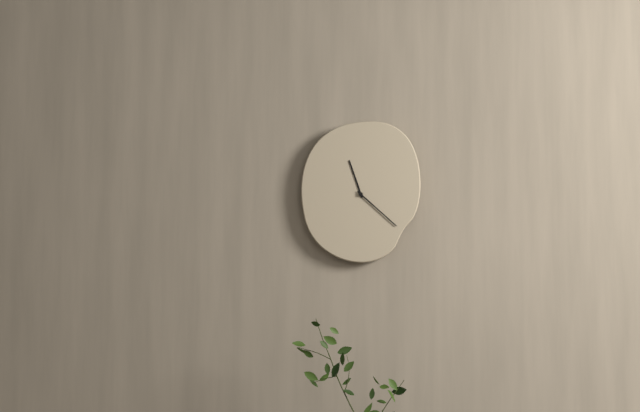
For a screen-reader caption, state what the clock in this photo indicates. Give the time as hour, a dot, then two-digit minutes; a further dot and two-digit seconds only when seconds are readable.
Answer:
11.22
